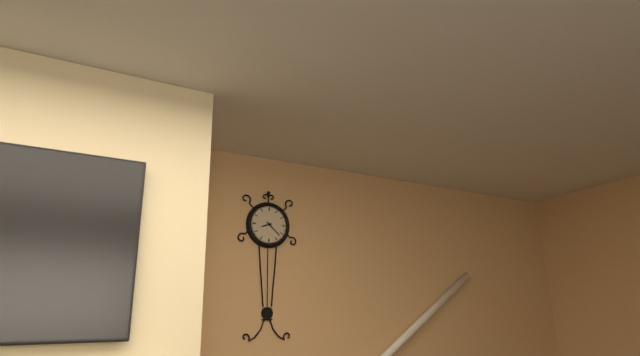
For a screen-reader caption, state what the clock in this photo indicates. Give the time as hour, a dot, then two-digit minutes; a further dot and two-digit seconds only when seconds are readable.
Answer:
8.22
